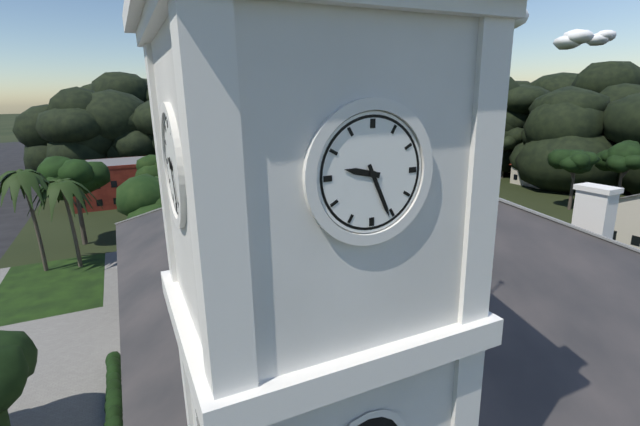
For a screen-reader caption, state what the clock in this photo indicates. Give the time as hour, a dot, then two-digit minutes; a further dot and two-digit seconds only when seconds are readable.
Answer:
9.26
